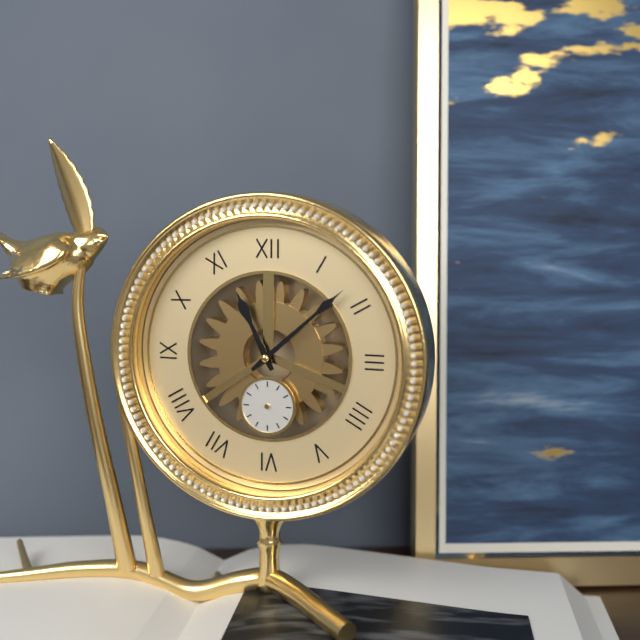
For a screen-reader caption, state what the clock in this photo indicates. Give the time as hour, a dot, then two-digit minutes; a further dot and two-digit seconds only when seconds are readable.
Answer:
11.08
